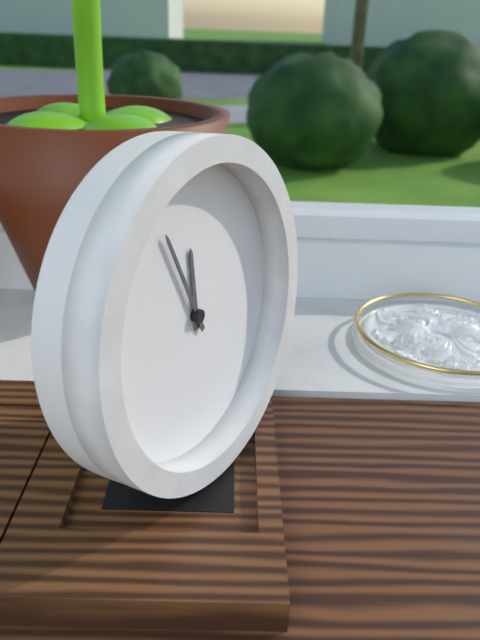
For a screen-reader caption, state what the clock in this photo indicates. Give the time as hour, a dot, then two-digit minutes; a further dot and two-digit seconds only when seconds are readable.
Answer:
11.56
